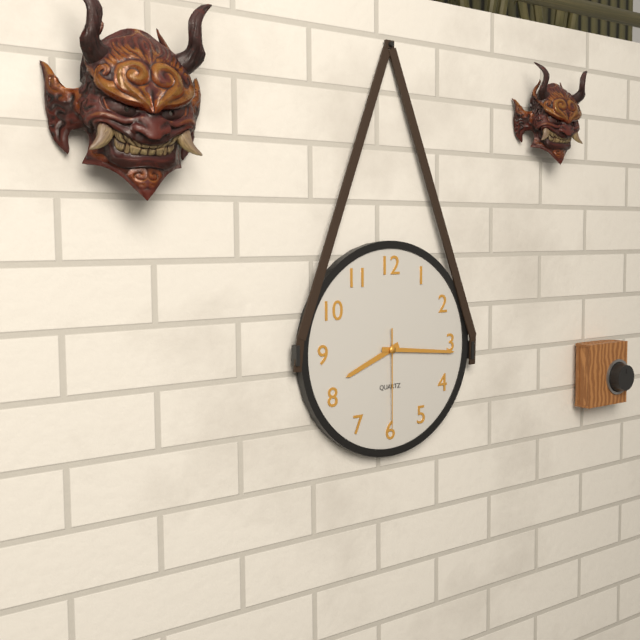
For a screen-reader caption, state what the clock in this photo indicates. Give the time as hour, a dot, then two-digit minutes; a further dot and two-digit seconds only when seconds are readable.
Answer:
8.16.30
